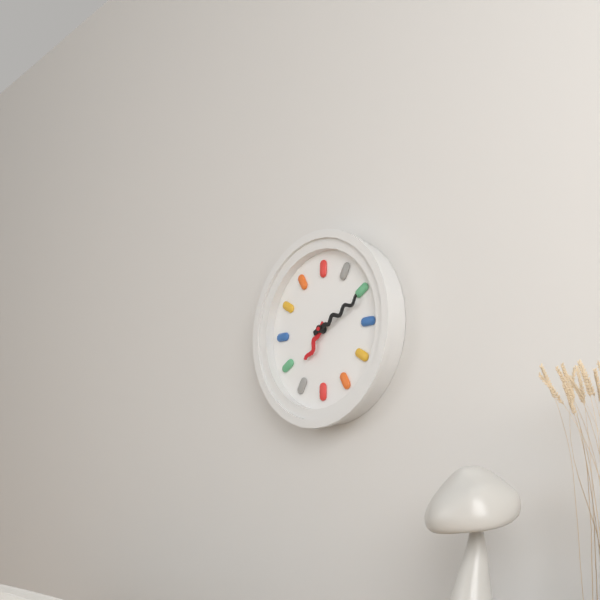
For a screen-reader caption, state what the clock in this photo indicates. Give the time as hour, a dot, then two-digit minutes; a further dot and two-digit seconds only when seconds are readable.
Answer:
7.11
